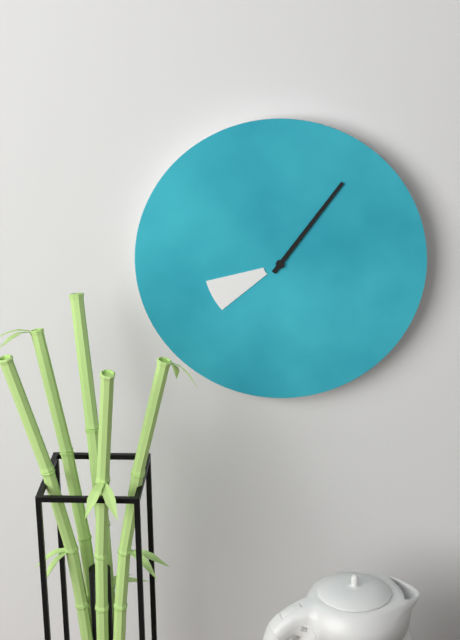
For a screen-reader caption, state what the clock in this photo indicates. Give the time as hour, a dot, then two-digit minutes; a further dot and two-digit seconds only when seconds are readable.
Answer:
8.06
